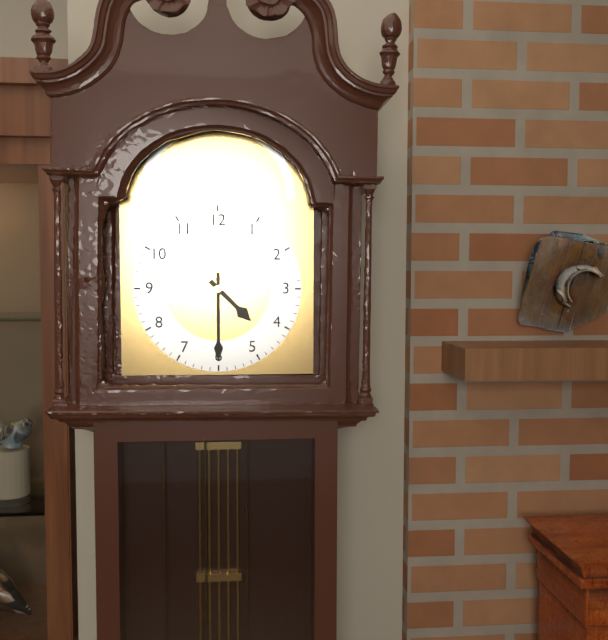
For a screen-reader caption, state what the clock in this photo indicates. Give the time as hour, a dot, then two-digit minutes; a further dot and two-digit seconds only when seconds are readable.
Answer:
4.30
